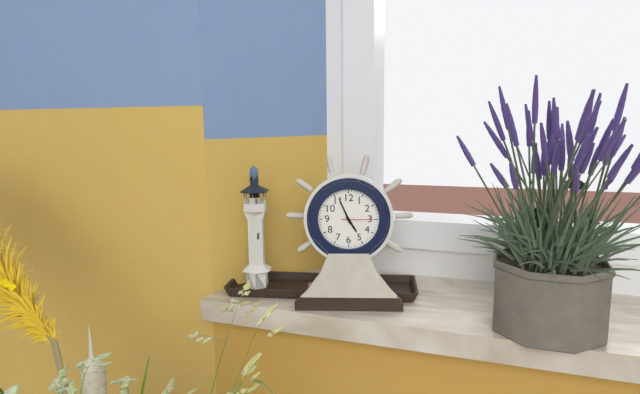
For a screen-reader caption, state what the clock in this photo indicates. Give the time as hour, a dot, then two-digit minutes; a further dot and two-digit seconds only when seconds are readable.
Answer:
4.56
